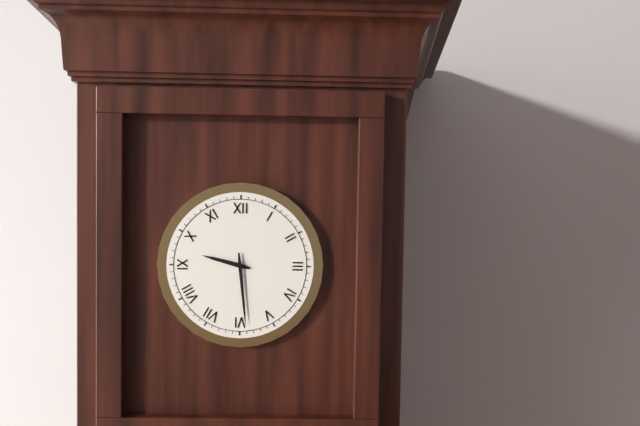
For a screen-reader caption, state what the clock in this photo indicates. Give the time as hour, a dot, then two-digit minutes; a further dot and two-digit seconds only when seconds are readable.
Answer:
9.29
